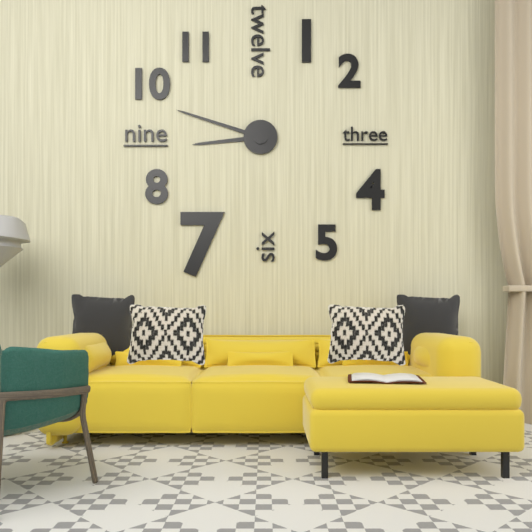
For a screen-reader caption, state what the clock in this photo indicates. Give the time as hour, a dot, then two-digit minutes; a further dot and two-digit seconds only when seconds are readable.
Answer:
8.48
